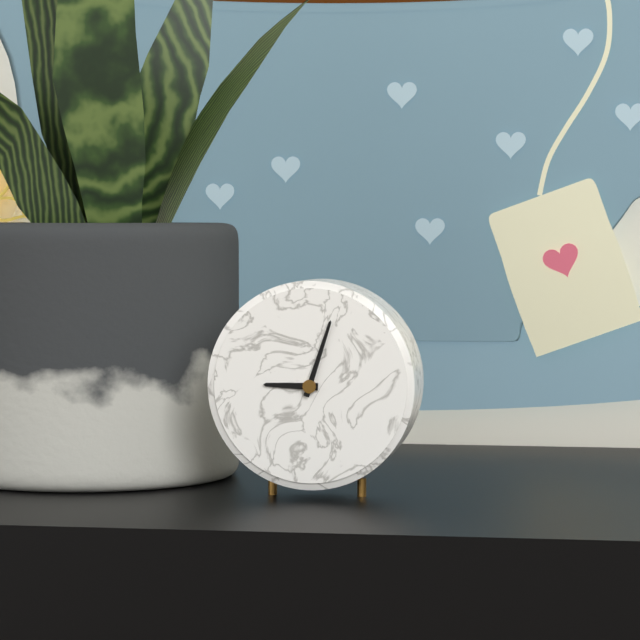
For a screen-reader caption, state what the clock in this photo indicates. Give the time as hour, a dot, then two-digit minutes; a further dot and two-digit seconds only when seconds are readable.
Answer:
9.03
